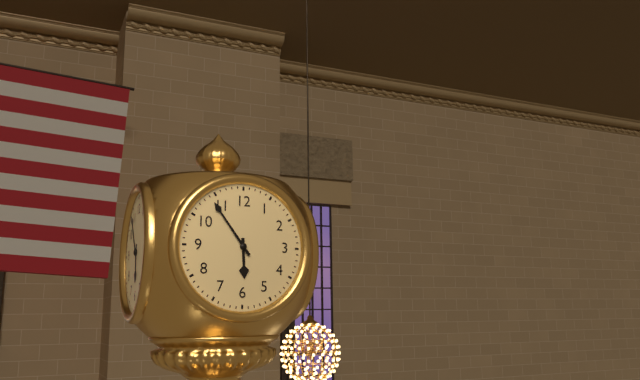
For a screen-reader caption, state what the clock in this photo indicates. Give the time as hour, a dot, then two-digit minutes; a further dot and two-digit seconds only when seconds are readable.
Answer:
5.54
